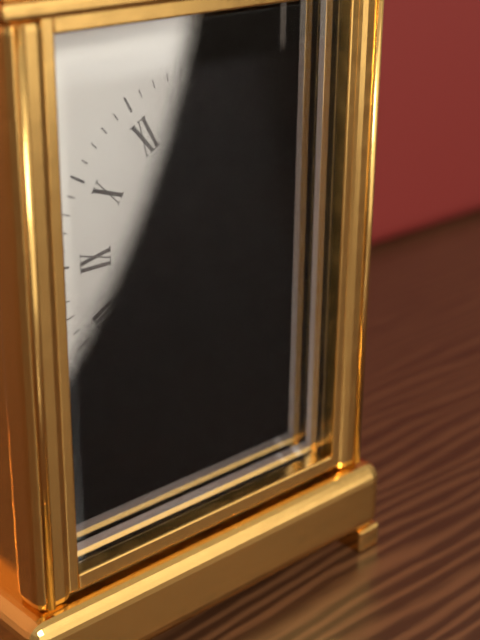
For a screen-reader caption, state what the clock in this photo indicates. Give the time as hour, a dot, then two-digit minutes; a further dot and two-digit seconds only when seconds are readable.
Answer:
7.28
